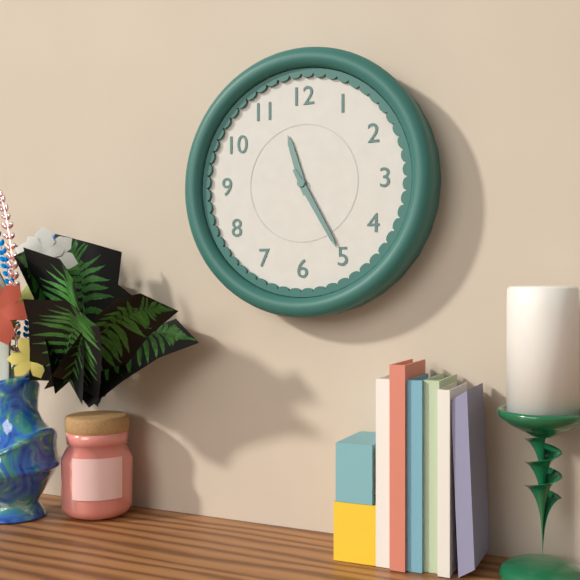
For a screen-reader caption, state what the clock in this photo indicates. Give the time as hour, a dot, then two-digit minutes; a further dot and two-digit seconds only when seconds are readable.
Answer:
11.25
